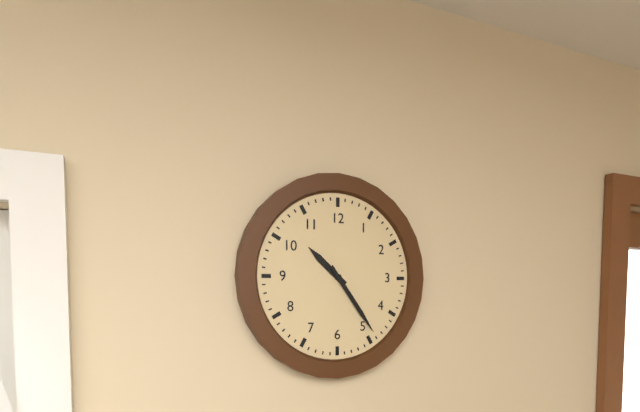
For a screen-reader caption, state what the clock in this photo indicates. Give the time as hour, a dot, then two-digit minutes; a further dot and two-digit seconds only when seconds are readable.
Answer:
10.24
